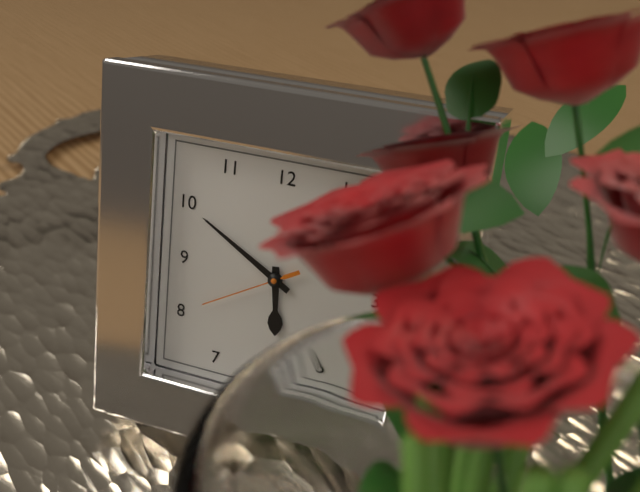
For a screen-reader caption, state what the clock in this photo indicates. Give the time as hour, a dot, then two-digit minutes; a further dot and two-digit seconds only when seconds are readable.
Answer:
5.50.40
